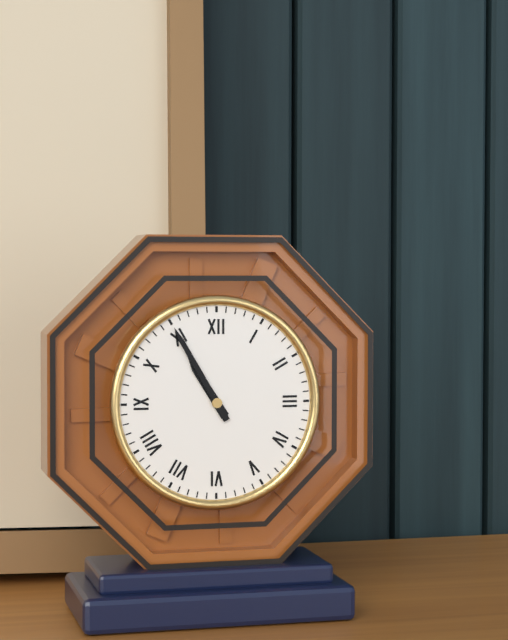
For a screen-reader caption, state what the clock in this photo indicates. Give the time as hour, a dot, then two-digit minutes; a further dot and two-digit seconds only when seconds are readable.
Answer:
10.55
